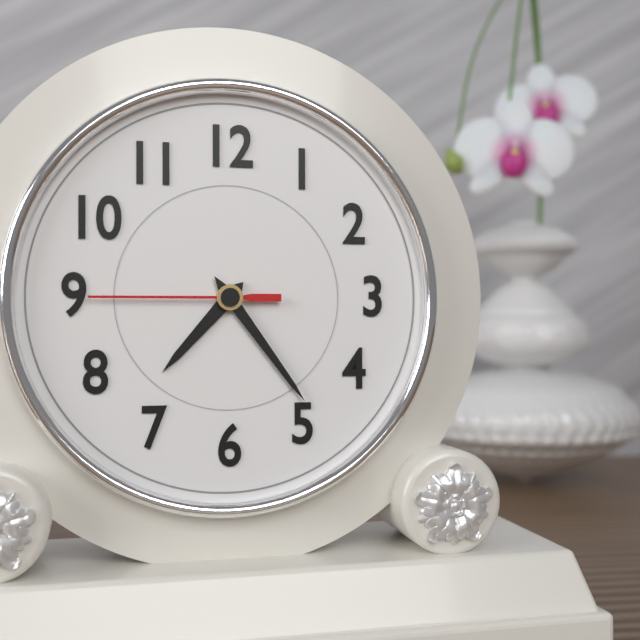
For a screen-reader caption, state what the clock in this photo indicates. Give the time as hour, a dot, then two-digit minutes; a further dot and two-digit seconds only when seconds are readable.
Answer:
7.24.45
